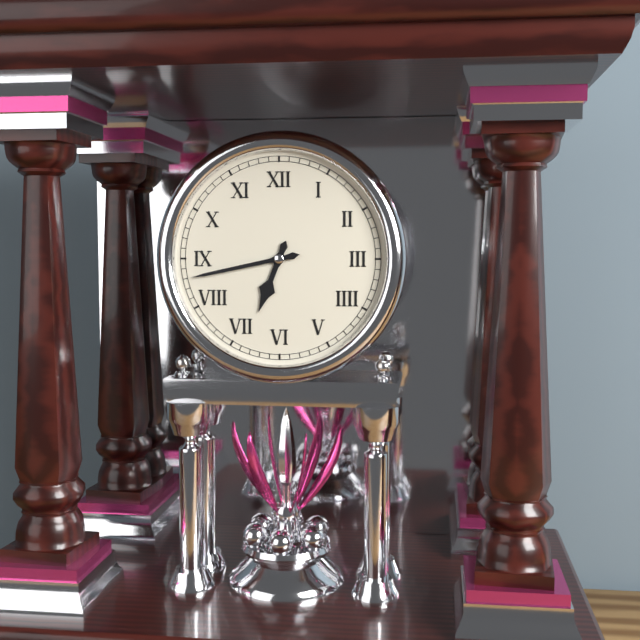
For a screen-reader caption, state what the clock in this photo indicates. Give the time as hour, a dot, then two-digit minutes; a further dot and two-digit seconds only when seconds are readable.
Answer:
6.43
